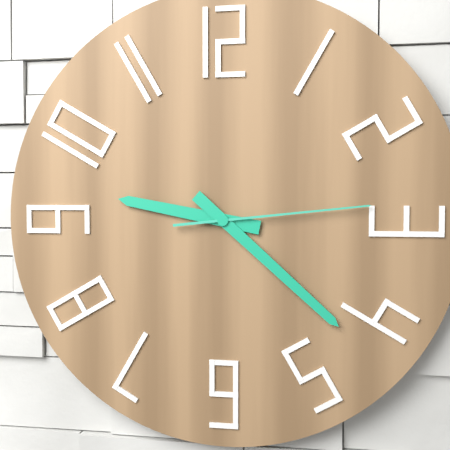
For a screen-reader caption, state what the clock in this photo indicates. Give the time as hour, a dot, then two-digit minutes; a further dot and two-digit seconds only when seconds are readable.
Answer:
9.22.14
